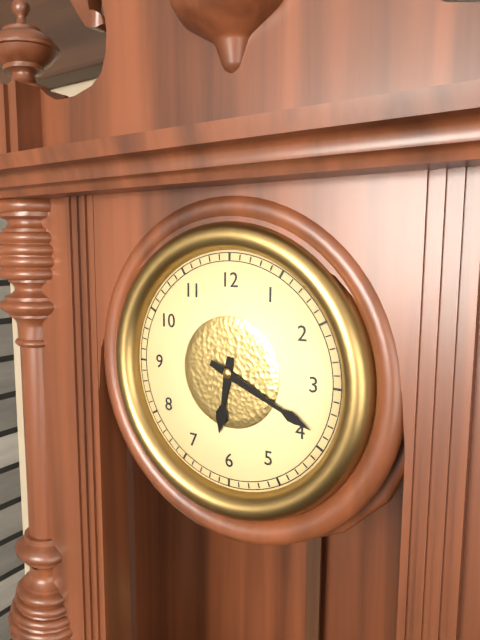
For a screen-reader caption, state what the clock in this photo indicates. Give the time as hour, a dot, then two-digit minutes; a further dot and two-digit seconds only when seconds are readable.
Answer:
6.19
